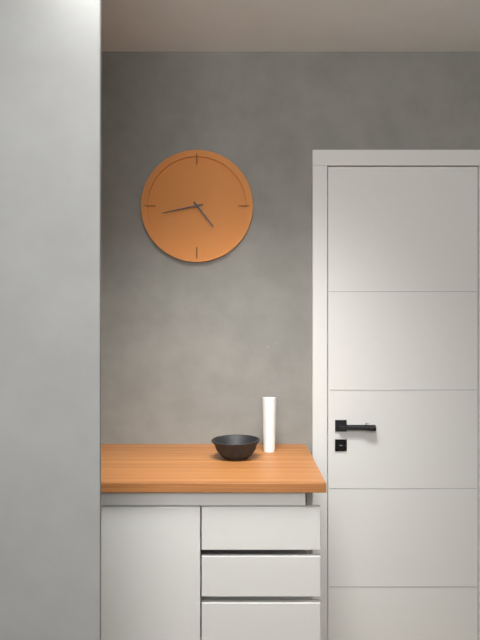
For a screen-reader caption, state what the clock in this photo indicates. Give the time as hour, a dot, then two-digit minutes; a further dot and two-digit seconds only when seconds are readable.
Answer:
4.43
